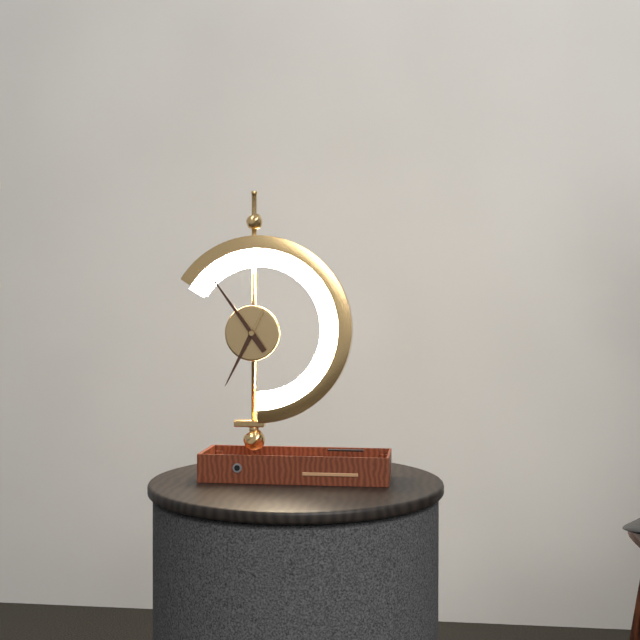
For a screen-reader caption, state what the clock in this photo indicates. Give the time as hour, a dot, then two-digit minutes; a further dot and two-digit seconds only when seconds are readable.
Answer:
6.54
